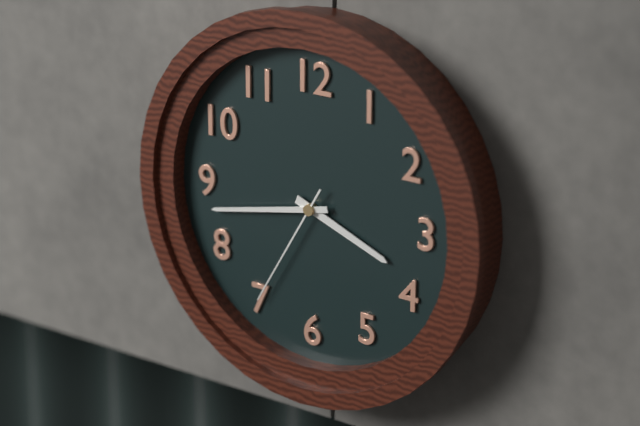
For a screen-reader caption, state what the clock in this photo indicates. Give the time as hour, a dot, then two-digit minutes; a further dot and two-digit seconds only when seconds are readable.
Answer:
3.43.35
